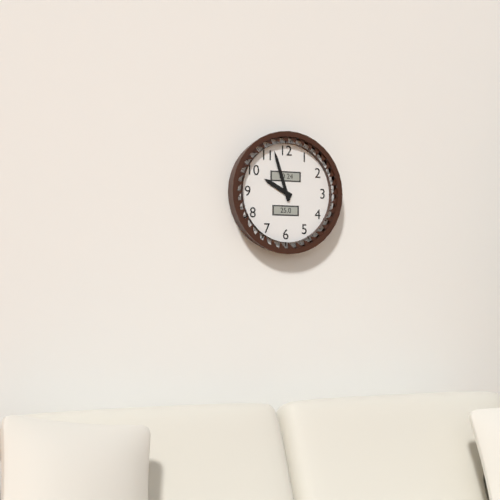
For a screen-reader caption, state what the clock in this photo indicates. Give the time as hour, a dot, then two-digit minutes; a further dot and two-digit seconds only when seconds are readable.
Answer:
9.57
